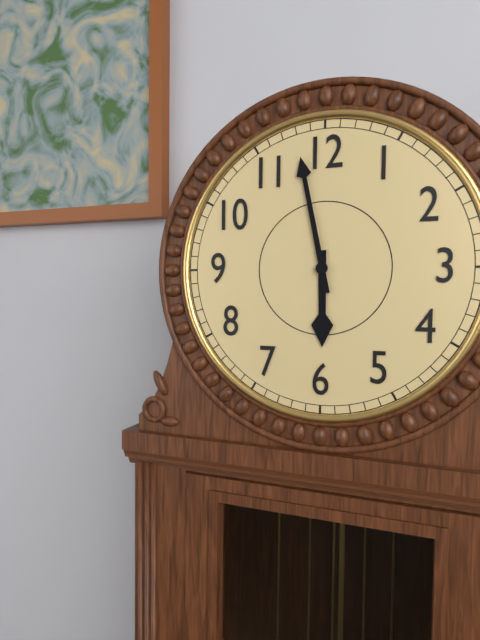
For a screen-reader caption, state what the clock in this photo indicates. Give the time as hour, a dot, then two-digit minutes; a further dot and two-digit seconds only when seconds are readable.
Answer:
5.58
